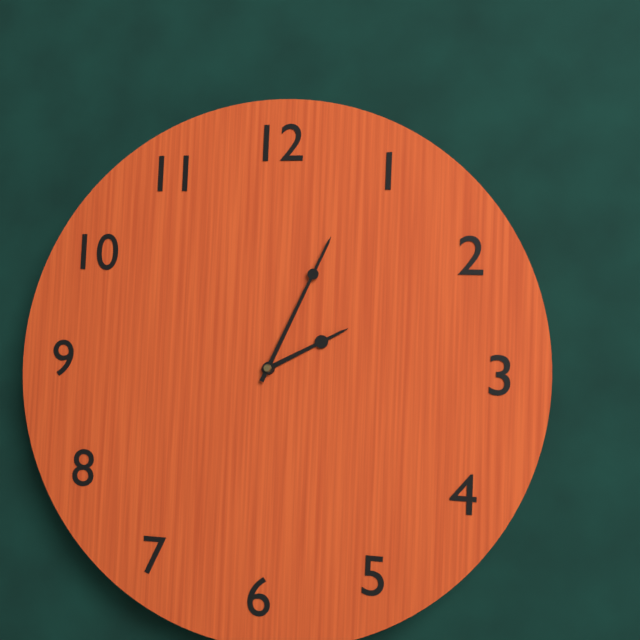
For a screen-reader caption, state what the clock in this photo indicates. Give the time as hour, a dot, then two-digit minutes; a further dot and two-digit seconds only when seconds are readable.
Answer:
2.04
